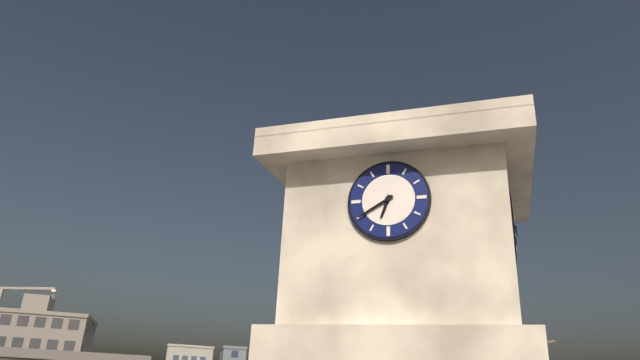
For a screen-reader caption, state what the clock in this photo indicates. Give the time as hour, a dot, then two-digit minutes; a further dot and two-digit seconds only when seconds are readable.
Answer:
6.40
